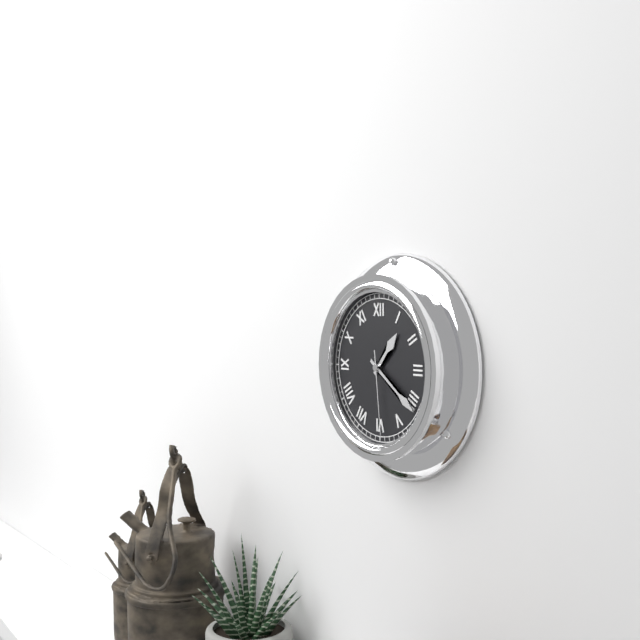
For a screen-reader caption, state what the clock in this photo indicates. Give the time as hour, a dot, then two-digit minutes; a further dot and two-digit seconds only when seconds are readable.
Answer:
1.21.29
